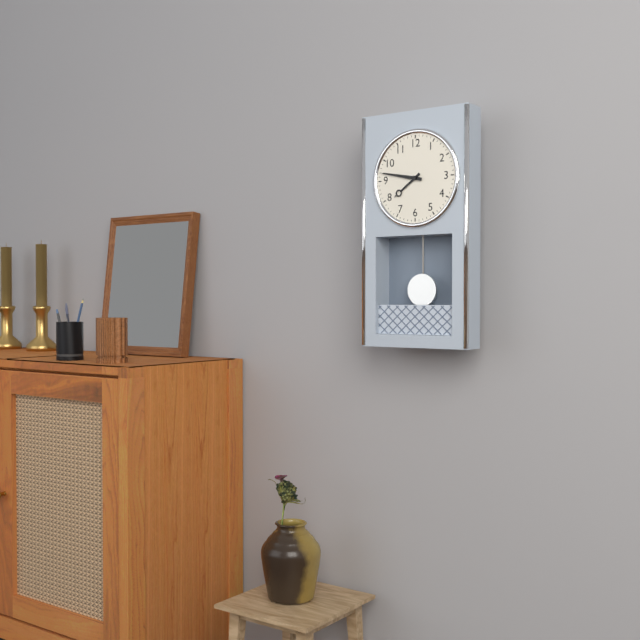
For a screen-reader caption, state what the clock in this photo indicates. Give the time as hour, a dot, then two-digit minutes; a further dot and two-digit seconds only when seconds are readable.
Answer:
7.47
